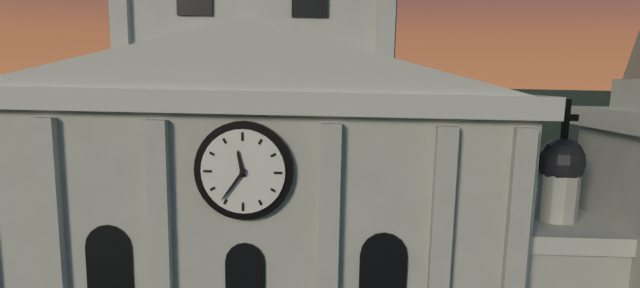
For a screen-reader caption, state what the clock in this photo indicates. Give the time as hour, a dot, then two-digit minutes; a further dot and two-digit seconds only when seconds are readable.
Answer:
11.36
